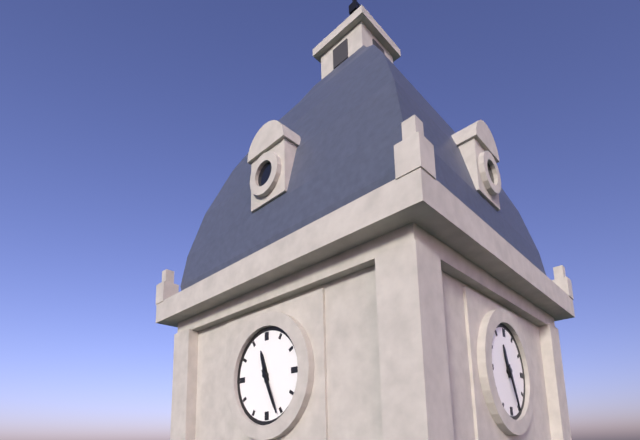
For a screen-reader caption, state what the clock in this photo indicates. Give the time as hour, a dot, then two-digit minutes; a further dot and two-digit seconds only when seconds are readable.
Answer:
11.26
